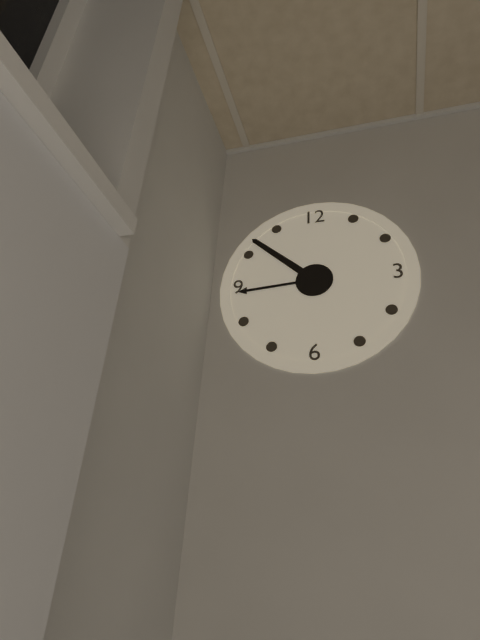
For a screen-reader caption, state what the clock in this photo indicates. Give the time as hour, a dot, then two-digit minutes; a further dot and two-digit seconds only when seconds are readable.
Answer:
8.52
